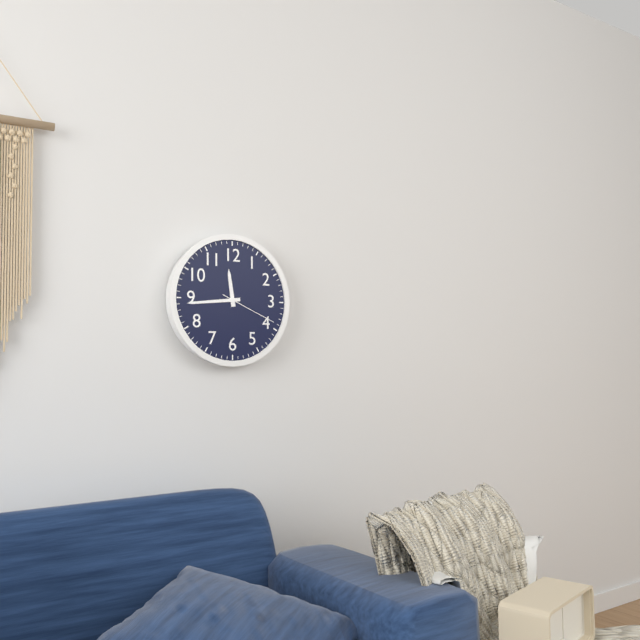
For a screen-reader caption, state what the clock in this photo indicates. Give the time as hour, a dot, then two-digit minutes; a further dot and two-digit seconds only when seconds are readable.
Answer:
11.44.19
